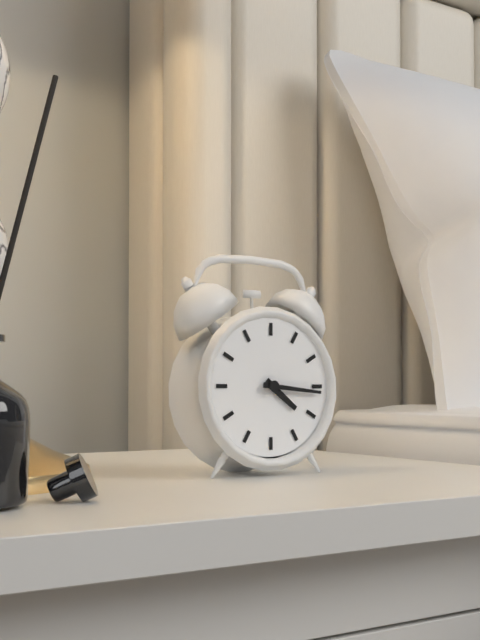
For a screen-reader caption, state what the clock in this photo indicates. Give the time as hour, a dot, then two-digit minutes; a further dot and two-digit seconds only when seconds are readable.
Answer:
4.16
